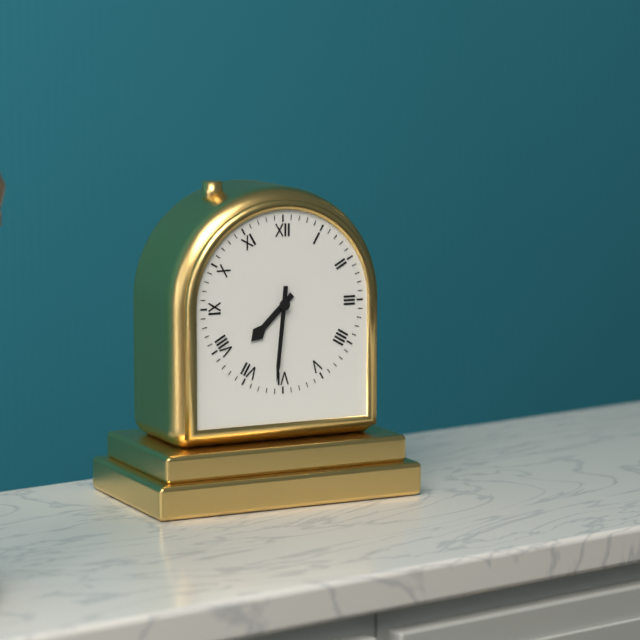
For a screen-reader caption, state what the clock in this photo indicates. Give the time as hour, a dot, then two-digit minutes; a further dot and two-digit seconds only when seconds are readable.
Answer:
7.31
